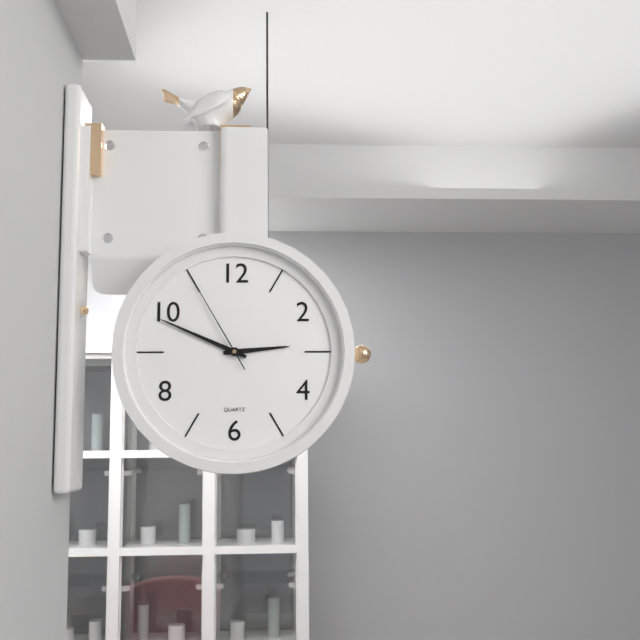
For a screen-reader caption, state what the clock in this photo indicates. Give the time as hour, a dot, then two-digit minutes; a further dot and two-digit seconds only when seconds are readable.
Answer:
2.49.55
